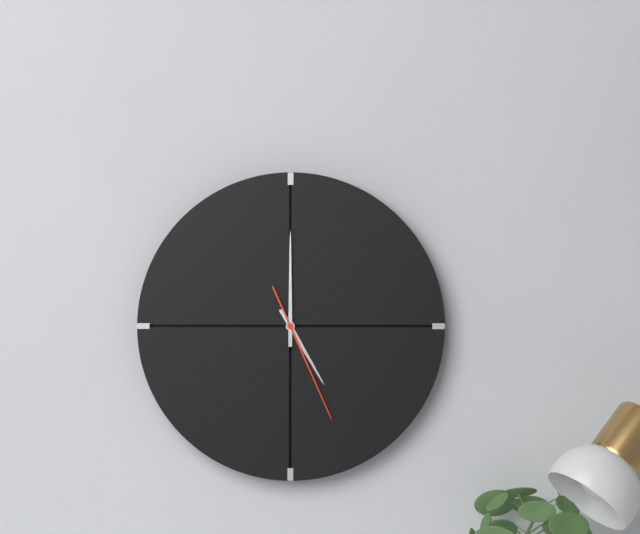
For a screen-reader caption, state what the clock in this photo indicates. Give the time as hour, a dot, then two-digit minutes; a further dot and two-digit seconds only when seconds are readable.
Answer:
5.00.26
